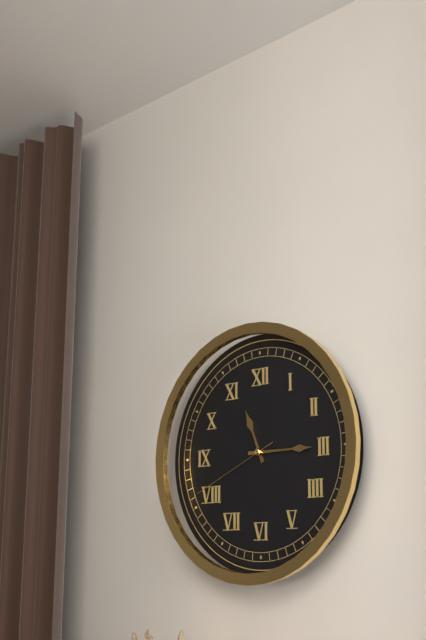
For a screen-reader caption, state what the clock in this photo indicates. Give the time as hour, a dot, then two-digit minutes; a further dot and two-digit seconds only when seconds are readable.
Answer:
11.15.41
